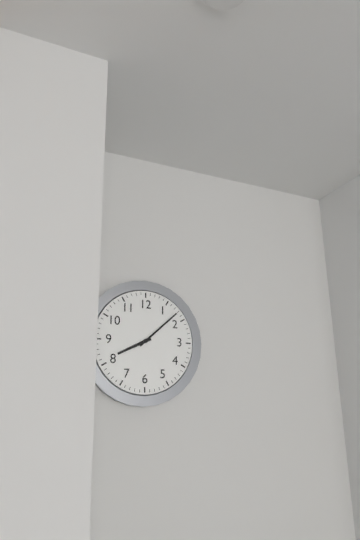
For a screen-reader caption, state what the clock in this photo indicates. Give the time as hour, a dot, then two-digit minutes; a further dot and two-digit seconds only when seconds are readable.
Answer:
8.08
